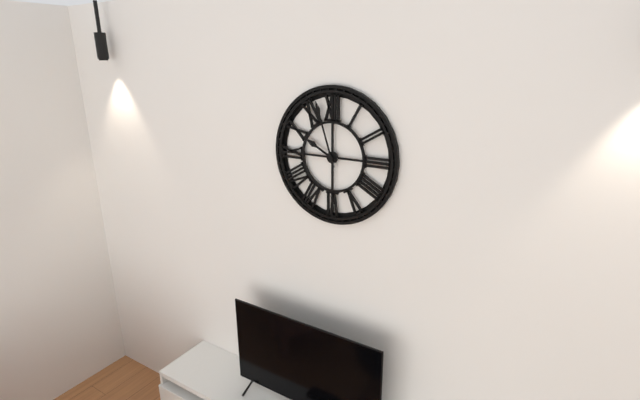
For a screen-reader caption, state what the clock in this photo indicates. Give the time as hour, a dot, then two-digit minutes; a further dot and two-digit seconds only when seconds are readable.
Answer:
9.57
